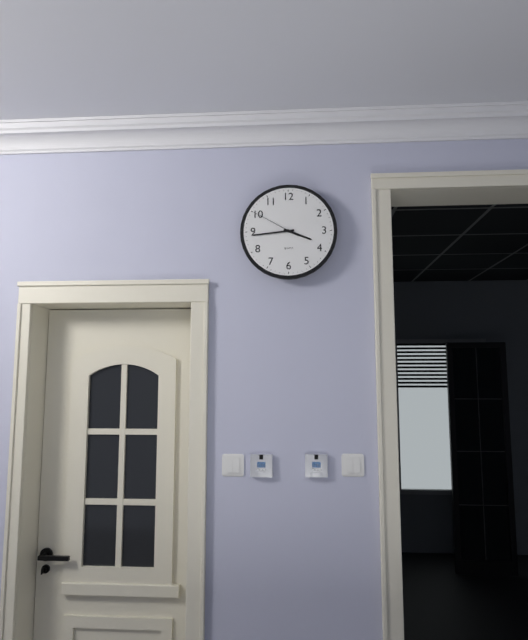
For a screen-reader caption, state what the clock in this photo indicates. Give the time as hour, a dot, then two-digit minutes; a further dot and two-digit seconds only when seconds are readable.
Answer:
3.44
